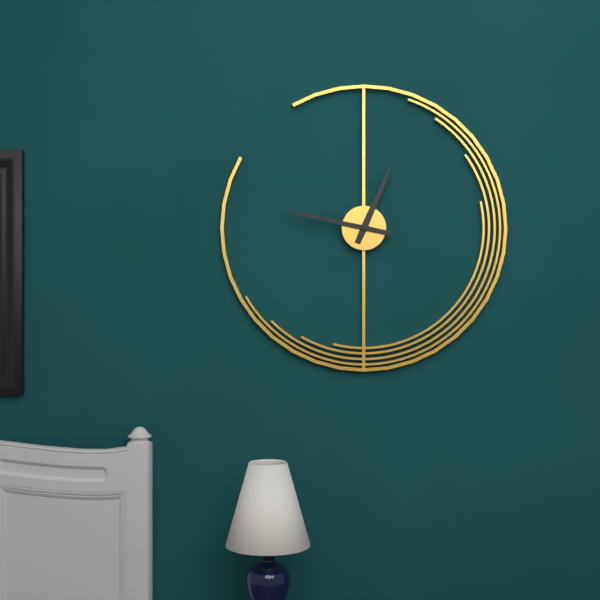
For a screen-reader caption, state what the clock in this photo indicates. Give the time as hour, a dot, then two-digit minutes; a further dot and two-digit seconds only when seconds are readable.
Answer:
12.47
